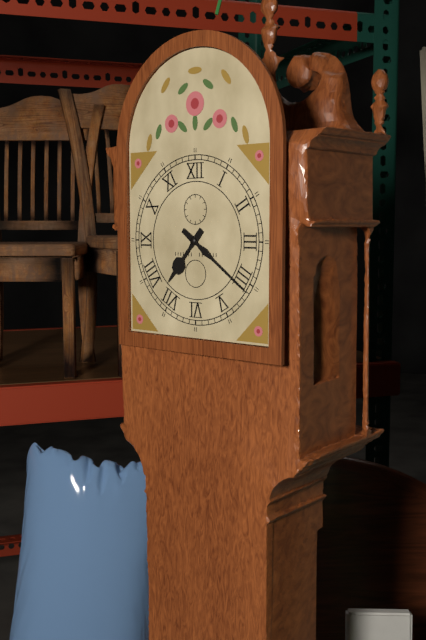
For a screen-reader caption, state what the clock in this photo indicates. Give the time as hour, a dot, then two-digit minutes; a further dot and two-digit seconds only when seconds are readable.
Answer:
7.21
